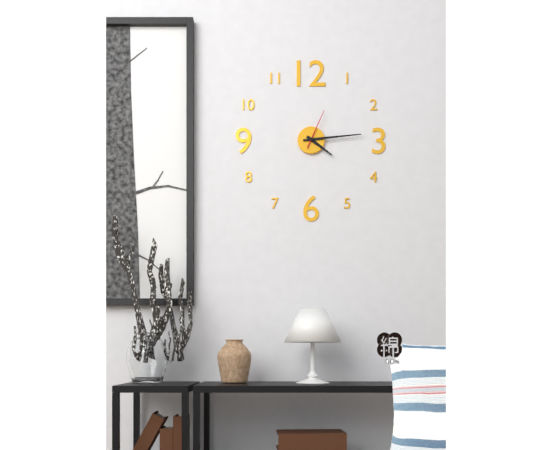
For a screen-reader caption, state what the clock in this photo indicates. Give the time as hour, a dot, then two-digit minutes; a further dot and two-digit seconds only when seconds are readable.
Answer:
4.14
